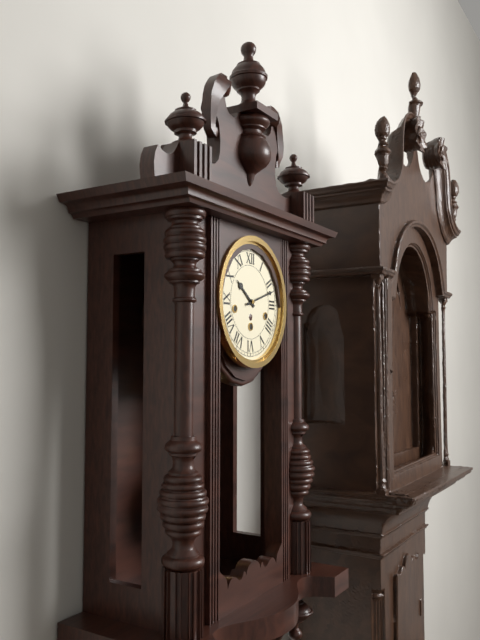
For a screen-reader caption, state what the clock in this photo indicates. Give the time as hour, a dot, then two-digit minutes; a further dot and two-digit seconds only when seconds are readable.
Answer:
10.12
